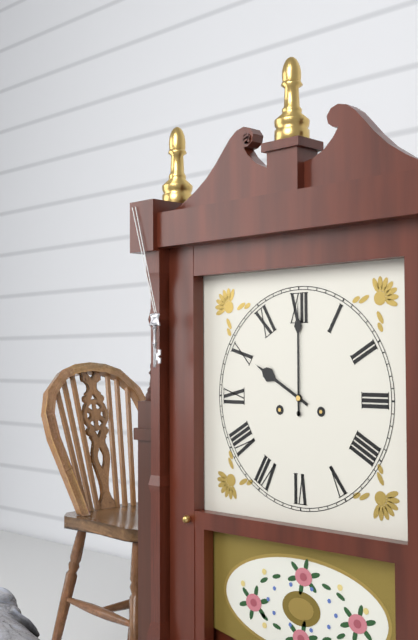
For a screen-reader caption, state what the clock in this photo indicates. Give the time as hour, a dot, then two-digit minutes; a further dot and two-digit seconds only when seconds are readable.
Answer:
10.00
